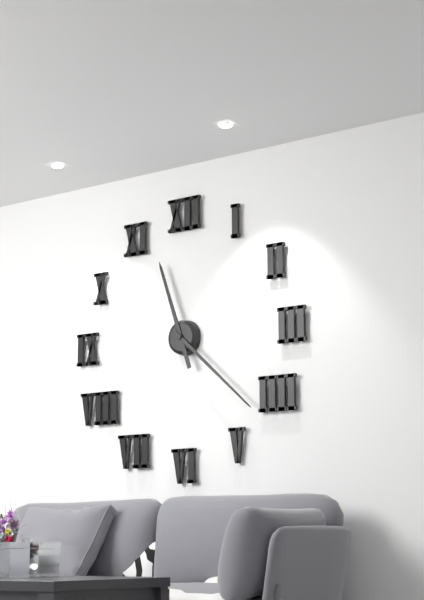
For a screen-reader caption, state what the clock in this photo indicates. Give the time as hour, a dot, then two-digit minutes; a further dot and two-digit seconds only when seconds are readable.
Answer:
11.22
